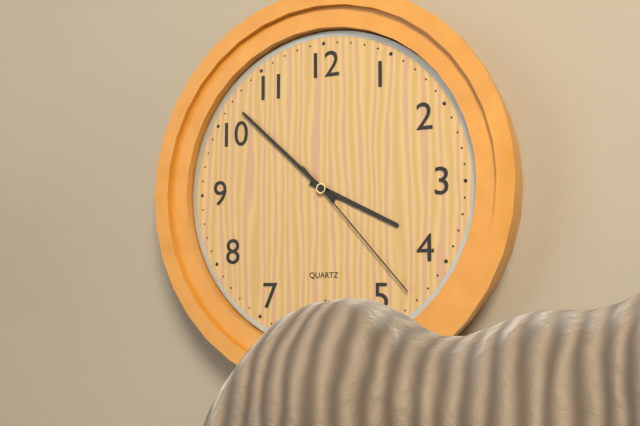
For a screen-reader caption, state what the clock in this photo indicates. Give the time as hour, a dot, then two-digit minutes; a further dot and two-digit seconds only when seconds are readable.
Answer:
3.52.23
